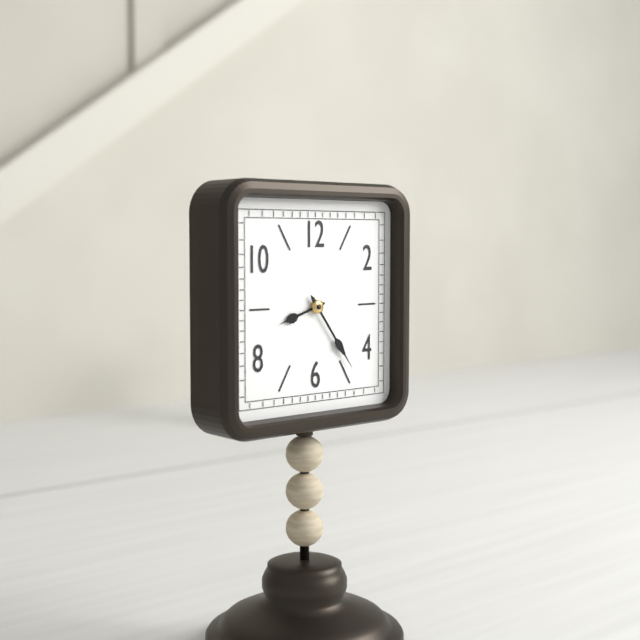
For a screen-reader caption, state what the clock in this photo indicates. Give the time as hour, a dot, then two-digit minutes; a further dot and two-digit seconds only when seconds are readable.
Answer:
8.24
